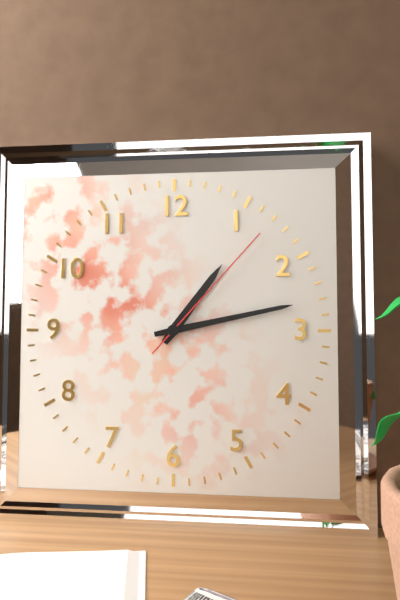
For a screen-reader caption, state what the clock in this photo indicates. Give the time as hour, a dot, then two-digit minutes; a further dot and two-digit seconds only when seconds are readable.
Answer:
1.13.07
